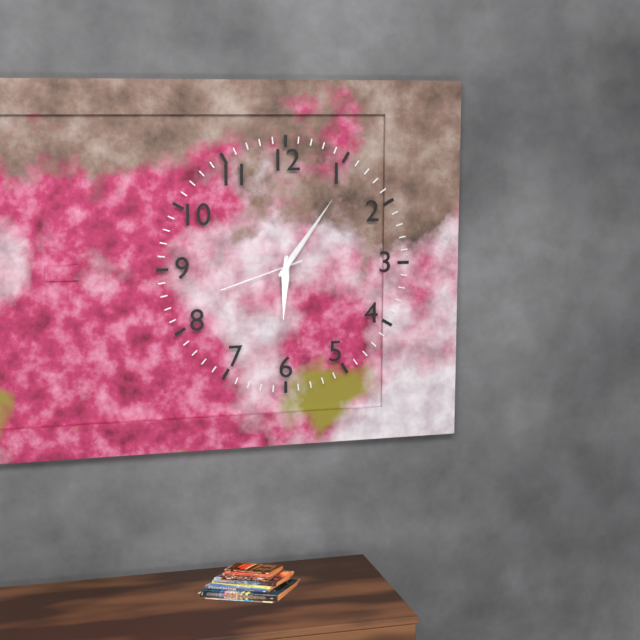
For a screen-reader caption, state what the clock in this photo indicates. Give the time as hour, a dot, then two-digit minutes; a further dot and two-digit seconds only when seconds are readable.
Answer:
6.06.42
